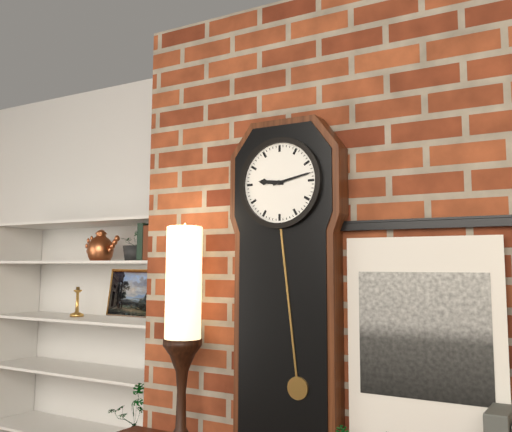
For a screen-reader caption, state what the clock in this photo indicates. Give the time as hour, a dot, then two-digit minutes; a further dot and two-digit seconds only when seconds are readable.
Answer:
9.13
